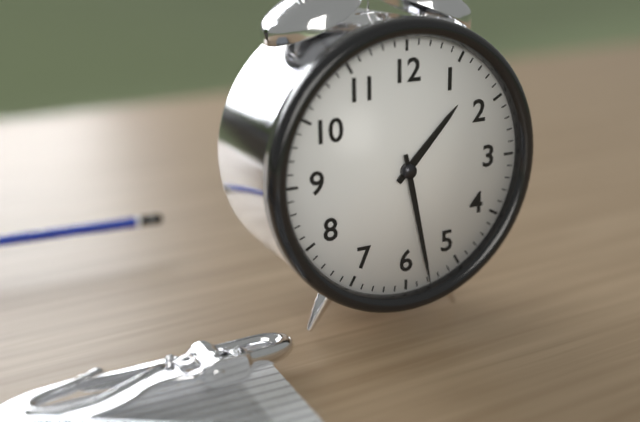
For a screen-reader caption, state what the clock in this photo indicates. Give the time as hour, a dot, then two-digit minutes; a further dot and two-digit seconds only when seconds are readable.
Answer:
1.28
